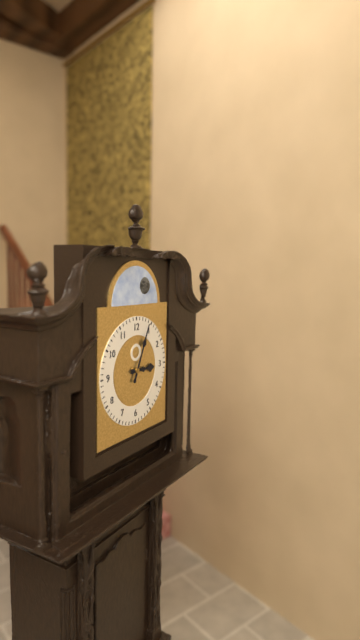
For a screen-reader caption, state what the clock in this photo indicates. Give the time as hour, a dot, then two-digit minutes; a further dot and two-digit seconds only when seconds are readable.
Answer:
3.04
